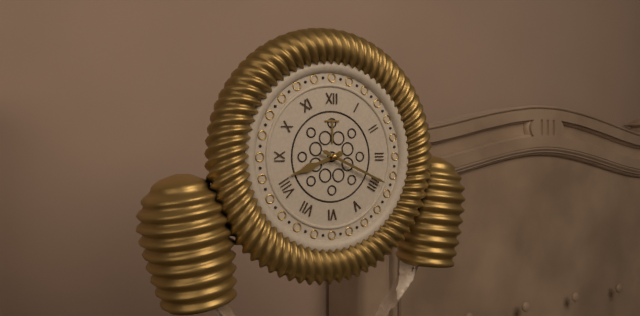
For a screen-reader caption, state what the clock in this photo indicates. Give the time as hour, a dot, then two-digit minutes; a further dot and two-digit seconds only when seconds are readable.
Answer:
8.19
